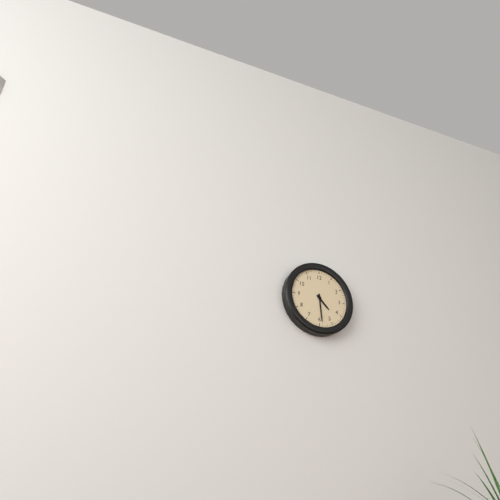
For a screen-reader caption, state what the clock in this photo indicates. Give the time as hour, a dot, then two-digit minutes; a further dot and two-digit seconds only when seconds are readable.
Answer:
4.29
